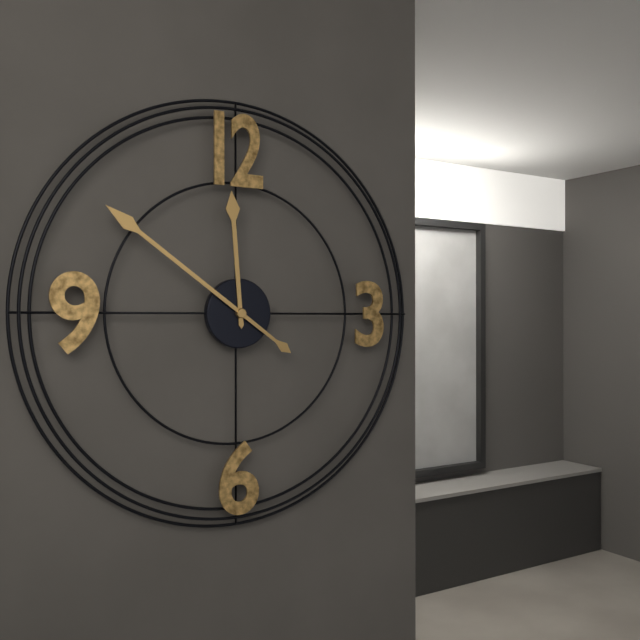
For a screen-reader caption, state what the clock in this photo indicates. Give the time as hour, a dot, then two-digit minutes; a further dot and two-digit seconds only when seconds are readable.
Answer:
11.51
